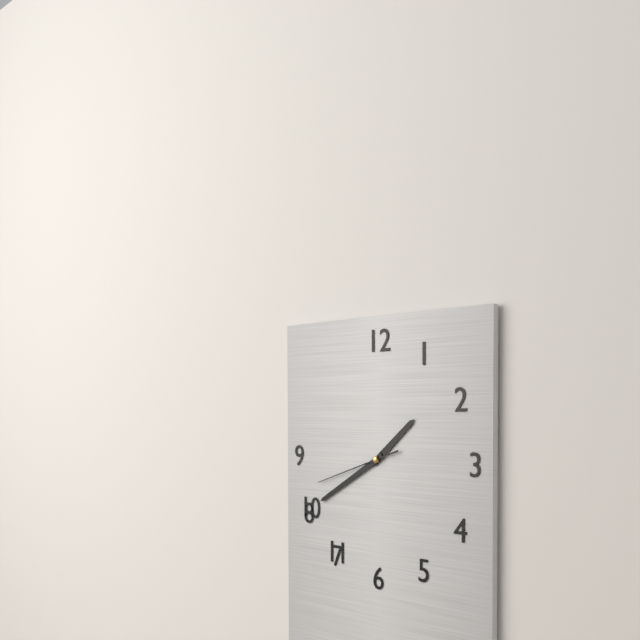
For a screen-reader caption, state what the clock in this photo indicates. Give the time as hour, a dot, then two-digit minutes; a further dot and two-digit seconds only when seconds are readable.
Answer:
1.40.42
